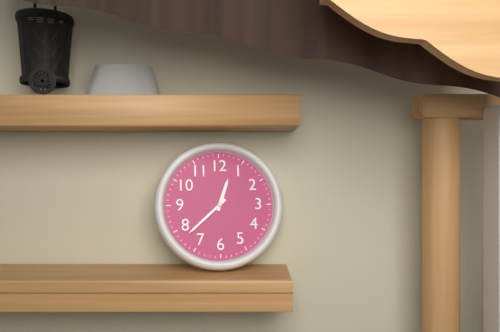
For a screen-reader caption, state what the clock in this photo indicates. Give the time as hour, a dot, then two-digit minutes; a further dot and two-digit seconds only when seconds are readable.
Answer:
12.38
